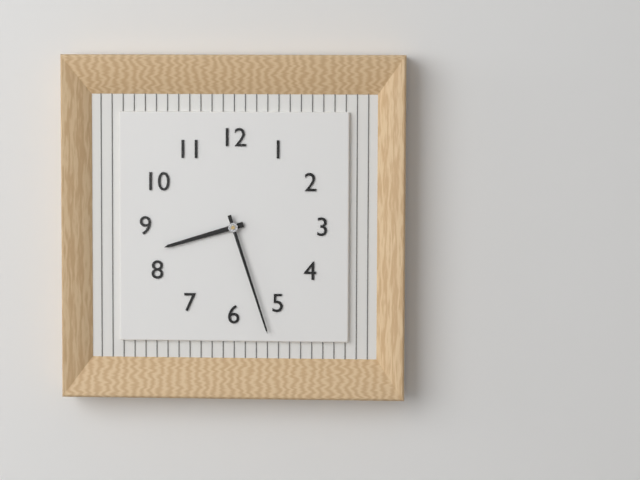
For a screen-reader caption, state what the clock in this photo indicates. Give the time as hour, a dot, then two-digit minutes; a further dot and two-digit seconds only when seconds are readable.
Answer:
8.27
